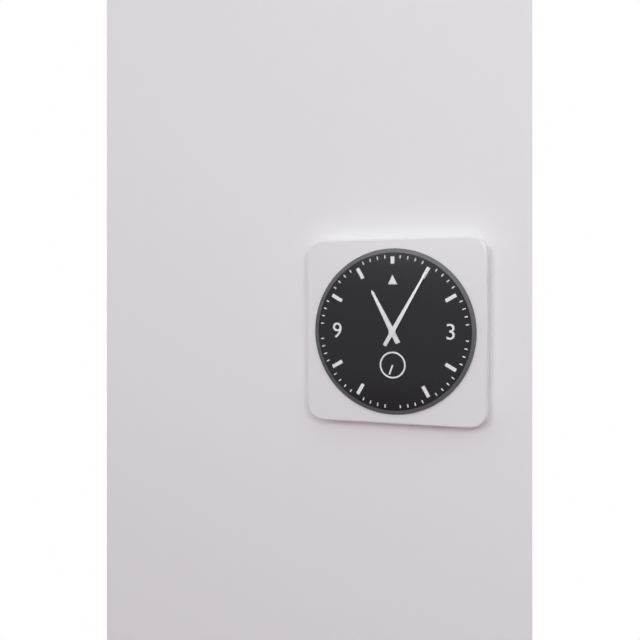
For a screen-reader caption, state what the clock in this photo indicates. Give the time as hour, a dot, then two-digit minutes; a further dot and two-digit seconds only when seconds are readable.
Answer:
11.05
